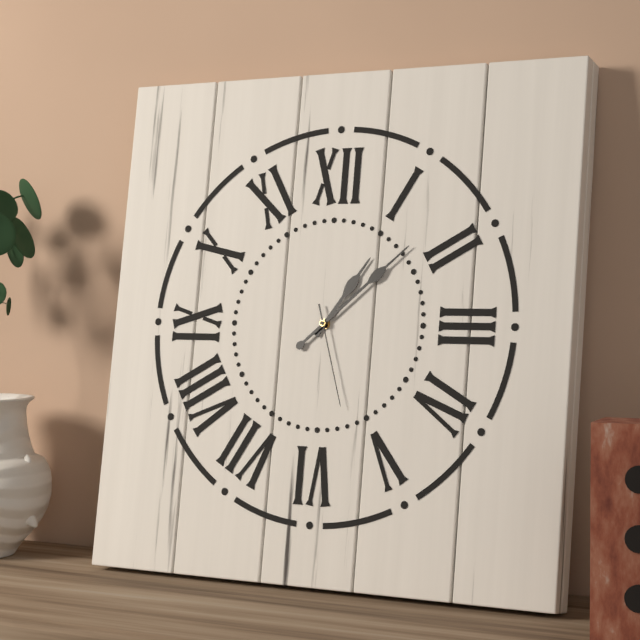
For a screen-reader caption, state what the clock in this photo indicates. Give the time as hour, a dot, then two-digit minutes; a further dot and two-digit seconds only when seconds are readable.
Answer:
1.08.27
